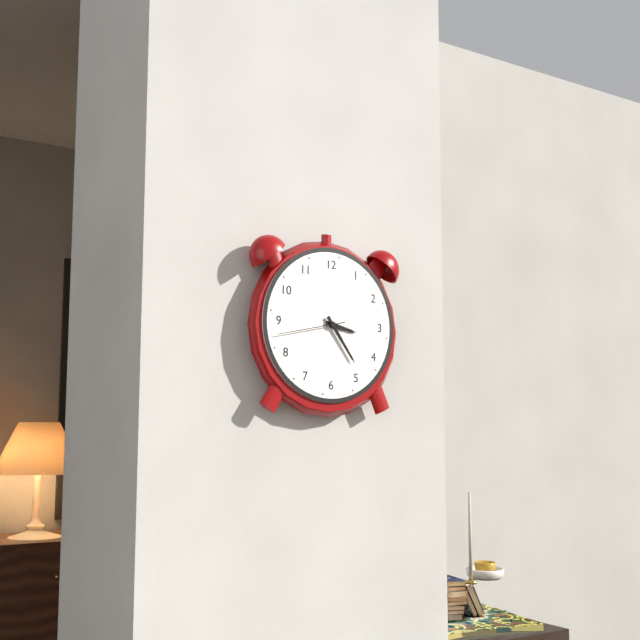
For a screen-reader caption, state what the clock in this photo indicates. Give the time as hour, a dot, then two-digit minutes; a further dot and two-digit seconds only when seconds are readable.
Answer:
3.24.43
